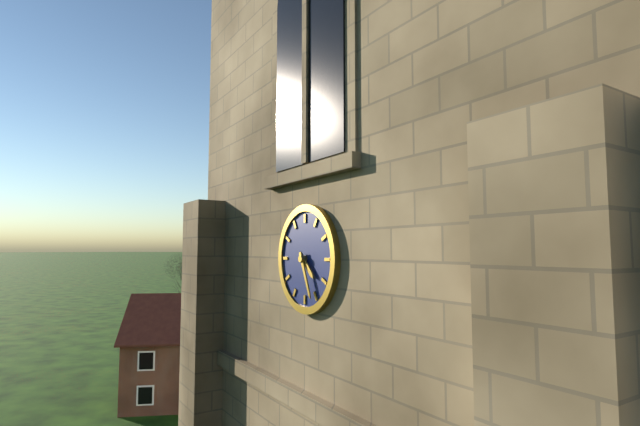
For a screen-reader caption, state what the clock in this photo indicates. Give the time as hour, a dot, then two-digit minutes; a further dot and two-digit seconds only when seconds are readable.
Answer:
4.26
